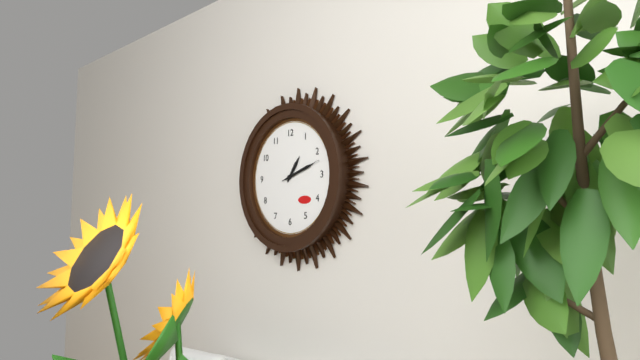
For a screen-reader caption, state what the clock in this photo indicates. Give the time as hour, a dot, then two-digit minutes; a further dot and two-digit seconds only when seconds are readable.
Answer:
1.12
